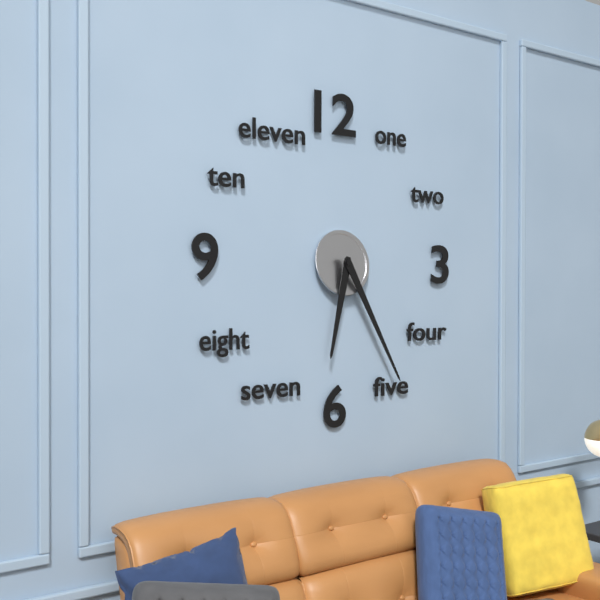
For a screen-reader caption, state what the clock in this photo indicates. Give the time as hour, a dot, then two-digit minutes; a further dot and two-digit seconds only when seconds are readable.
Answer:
6.25
